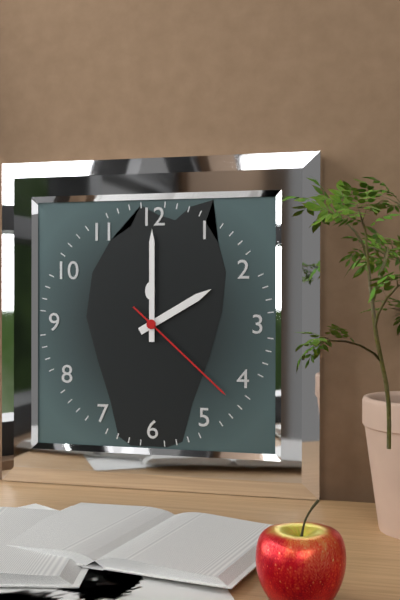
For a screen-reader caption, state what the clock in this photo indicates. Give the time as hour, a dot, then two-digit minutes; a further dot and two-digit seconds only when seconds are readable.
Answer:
2.00.22
